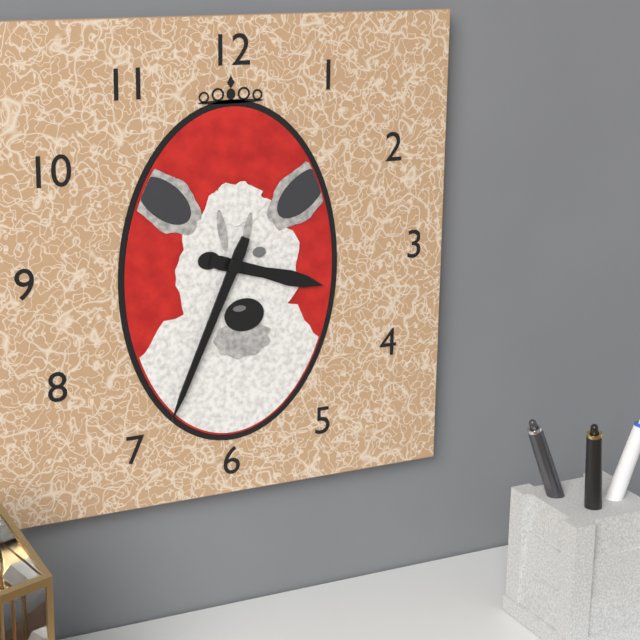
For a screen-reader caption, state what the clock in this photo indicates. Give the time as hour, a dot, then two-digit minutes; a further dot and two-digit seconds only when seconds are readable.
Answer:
3.34
